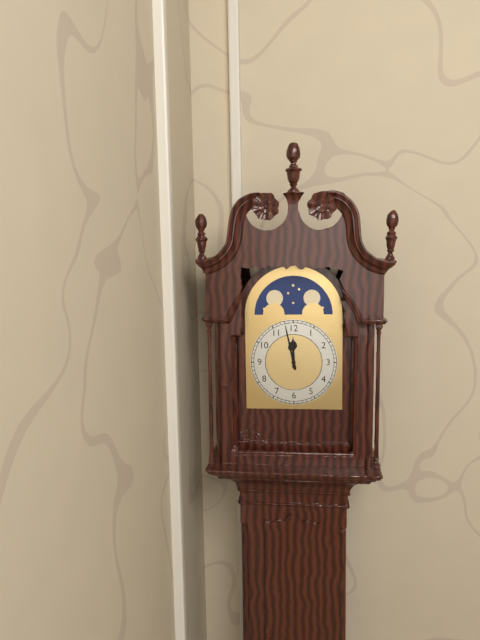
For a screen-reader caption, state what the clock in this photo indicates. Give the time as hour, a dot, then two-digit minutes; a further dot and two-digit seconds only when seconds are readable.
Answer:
11.58
